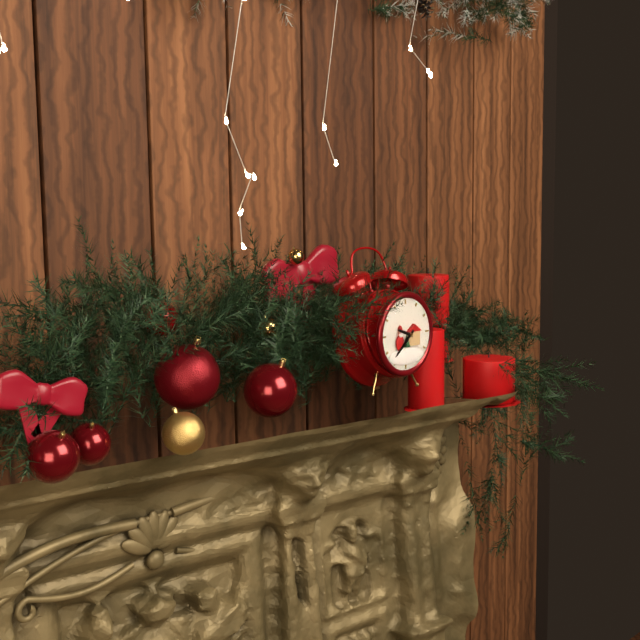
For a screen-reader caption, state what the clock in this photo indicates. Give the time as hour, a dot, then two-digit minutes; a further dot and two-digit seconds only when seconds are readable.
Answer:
9.38
